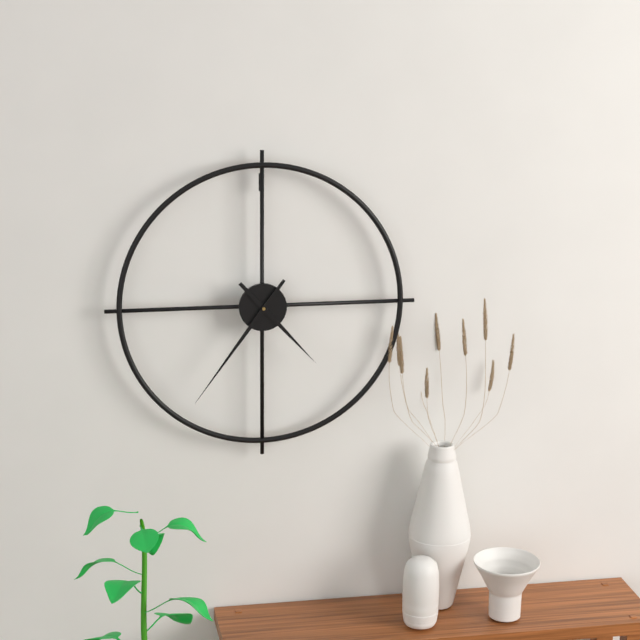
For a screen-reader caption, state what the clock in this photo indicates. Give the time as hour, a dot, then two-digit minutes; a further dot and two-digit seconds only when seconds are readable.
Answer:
4.36
